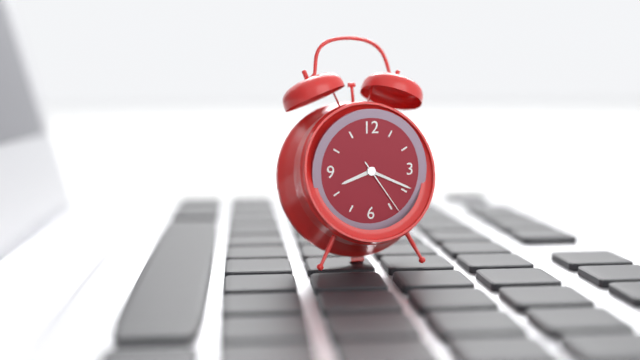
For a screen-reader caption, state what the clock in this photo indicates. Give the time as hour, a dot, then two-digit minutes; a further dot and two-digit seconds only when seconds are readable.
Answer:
8.19.24
